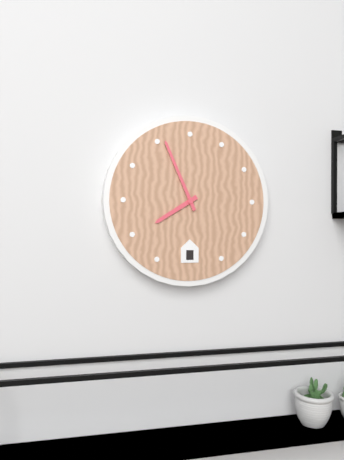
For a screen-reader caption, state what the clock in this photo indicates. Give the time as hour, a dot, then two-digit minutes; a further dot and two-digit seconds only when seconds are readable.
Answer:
7.56
